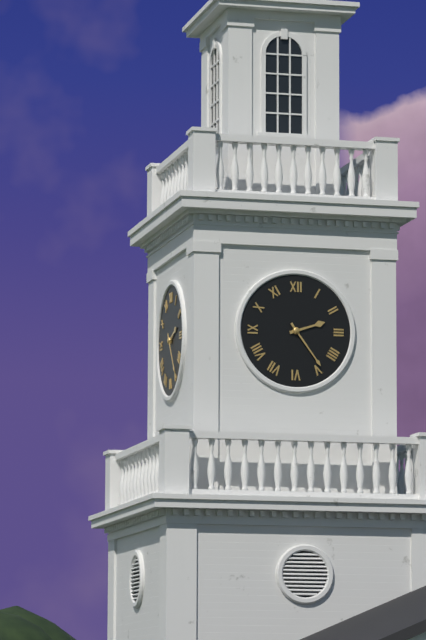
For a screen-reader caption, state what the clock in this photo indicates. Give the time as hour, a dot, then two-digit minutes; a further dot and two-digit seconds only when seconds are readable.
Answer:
2.24
